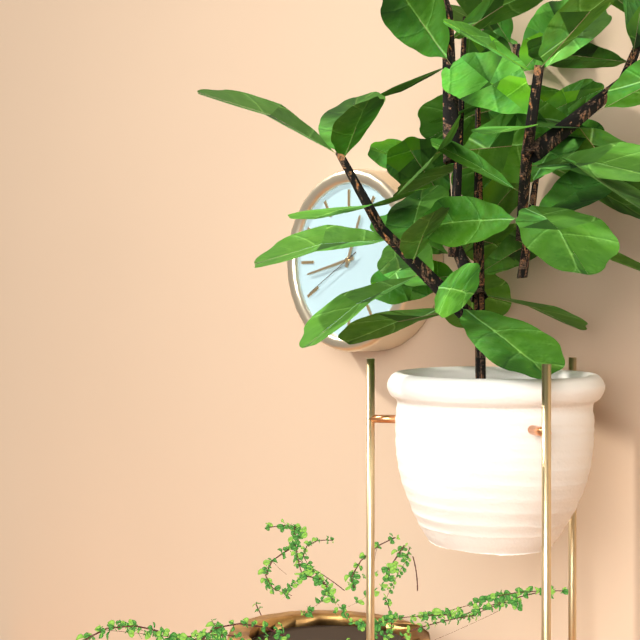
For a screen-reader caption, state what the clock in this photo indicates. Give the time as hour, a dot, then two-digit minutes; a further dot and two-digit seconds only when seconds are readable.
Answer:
12.43.40
